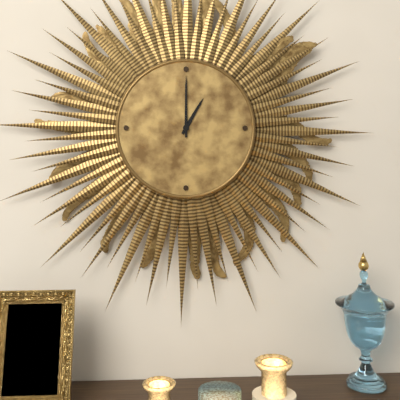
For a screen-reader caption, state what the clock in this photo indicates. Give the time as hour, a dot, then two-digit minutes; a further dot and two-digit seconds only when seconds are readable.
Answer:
1.00
